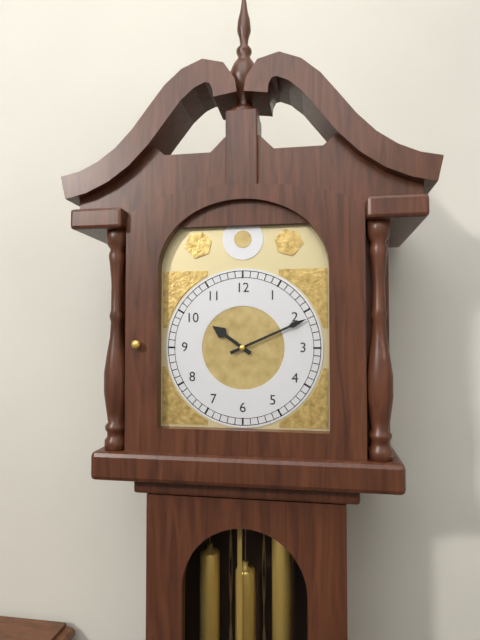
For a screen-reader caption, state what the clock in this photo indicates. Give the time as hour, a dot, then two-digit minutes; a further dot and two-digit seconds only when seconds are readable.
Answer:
10.11
